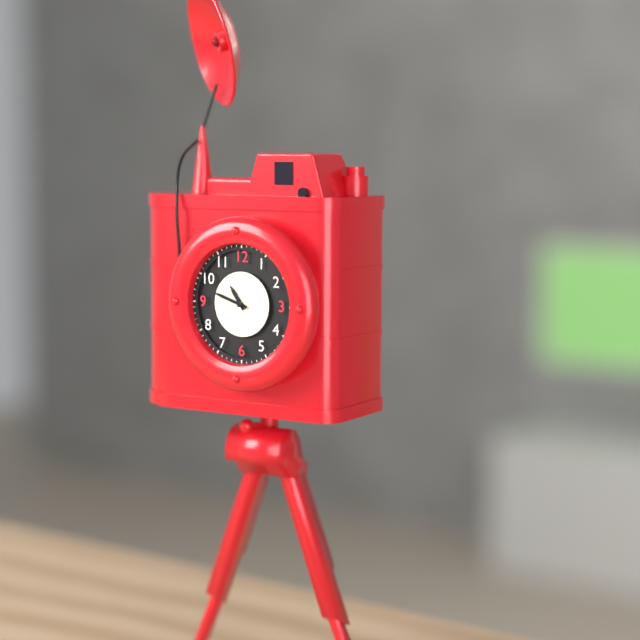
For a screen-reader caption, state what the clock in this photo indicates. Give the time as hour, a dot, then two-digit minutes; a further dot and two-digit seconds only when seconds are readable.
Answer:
10.48
